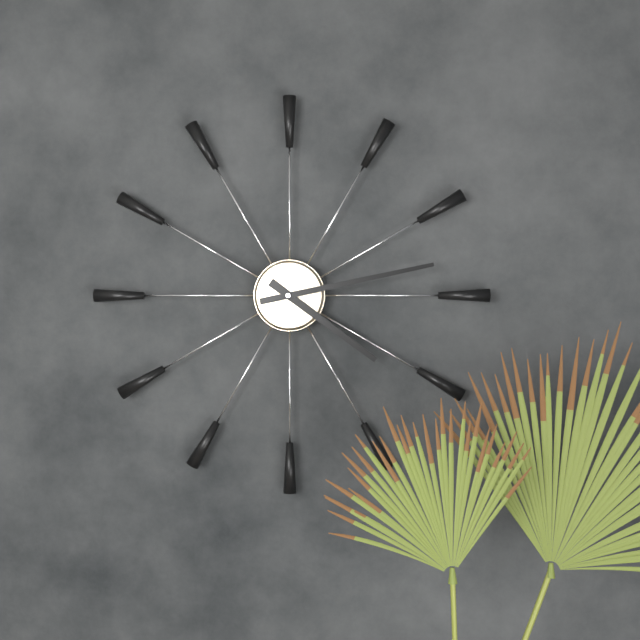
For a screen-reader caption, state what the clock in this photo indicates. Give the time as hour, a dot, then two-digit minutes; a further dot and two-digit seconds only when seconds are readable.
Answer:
4.13
